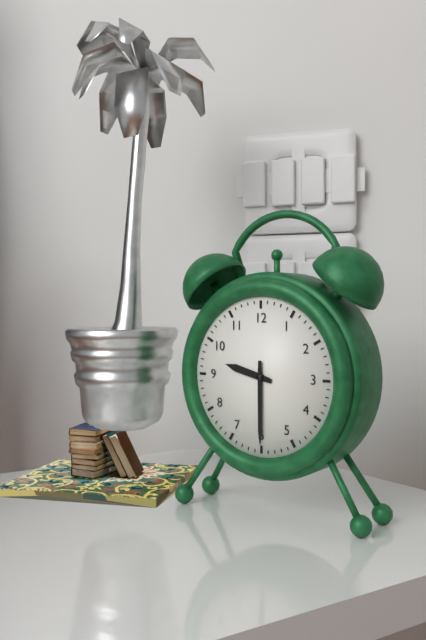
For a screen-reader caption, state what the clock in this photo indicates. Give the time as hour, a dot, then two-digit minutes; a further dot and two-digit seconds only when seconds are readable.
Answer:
9.30
